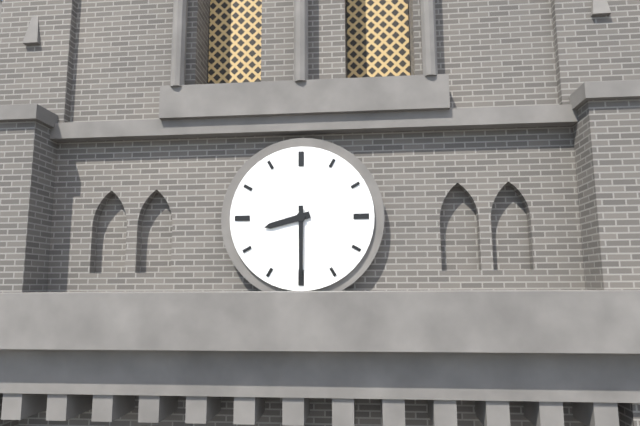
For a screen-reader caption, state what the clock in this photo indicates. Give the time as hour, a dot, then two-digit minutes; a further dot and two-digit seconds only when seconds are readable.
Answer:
8.30
